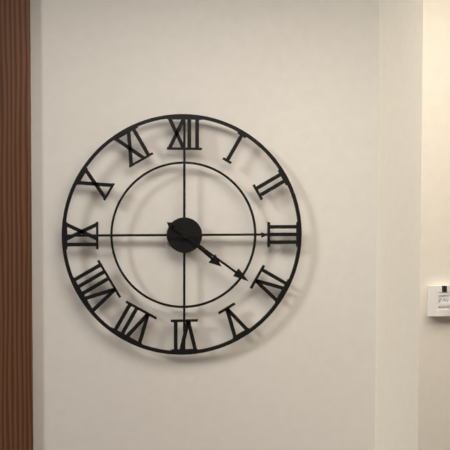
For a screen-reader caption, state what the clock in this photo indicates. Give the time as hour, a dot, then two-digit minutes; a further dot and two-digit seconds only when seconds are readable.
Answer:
4.21.15
